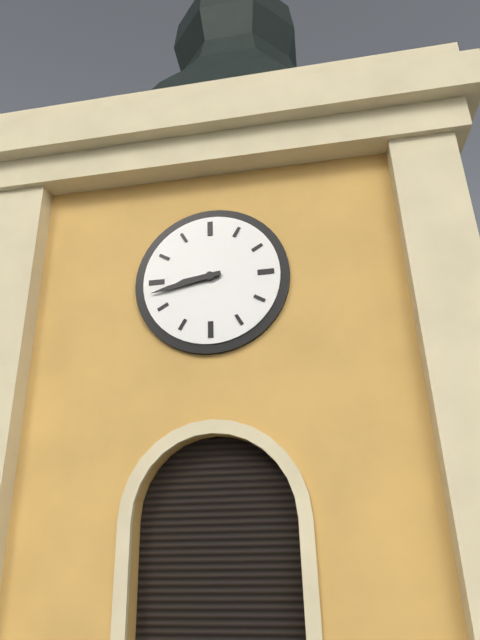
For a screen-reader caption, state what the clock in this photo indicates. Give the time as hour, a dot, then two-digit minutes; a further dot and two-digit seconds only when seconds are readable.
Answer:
8.43
